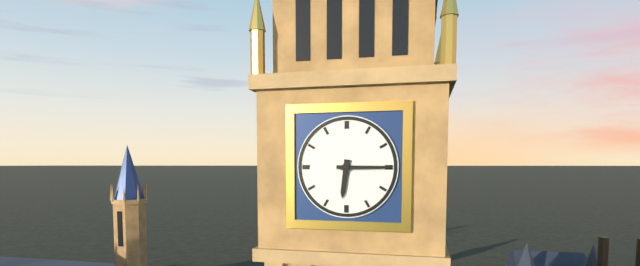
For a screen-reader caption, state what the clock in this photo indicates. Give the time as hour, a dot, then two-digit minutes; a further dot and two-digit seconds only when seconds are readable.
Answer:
6.15
